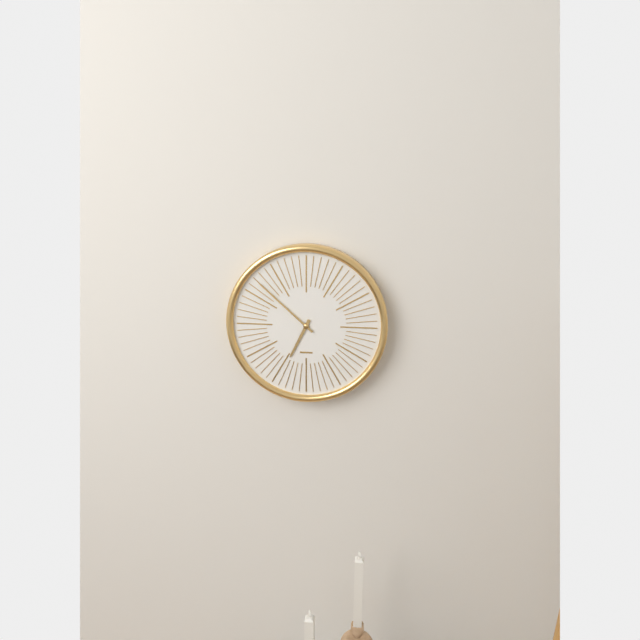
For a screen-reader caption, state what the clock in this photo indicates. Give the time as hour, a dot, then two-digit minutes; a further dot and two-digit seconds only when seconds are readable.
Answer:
6.52
